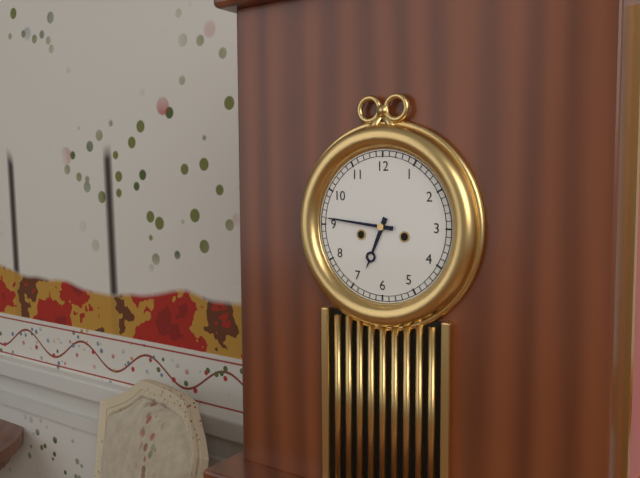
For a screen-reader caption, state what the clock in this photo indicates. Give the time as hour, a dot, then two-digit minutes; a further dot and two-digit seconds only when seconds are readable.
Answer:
6.46
